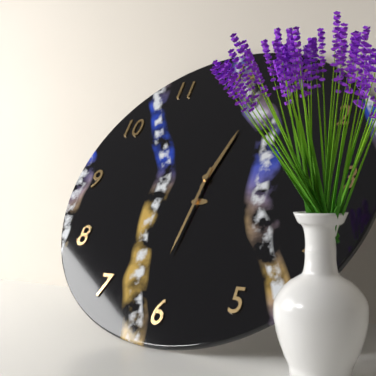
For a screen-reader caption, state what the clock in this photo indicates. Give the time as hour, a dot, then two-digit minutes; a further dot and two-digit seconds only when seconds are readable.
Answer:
12.31
